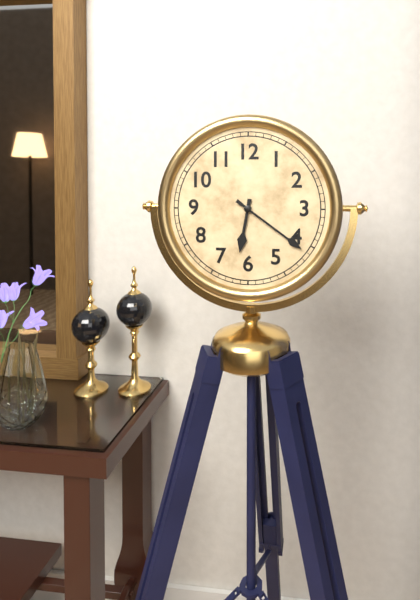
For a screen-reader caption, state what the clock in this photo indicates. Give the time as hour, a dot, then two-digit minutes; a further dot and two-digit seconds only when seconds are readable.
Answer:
6.21
